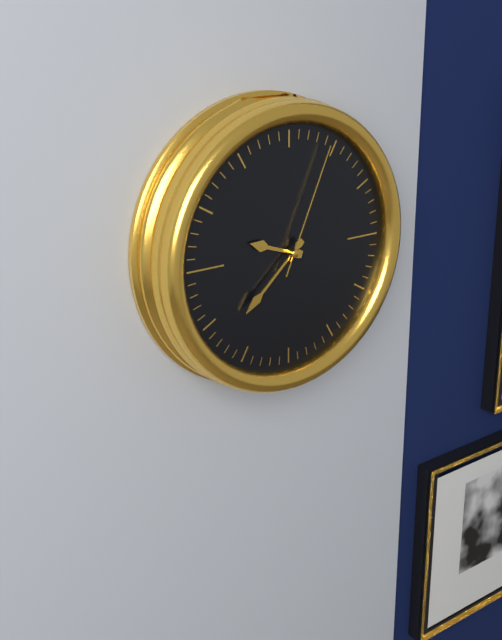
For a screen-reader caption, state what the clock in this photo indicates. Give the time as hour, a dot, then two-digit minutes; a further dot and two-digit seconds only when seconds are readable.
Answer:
9.38.04
